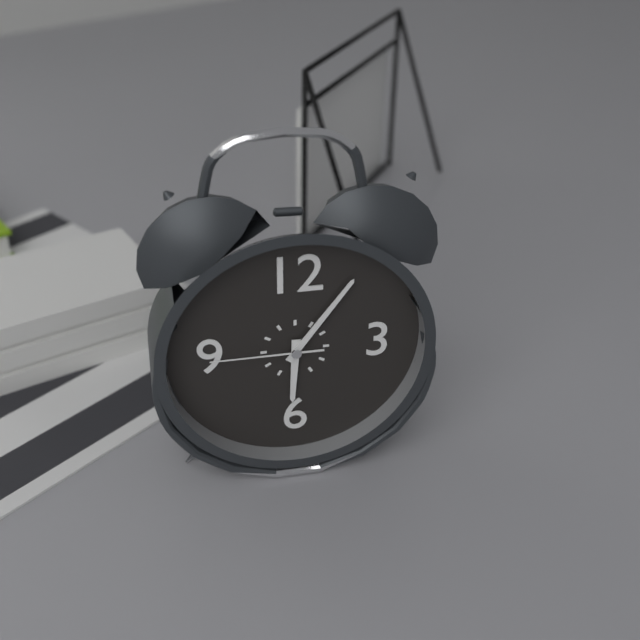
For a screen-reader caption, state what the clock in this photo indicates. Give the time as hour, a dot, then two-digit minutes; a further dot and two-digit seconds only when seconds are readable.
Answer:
6.06.45
